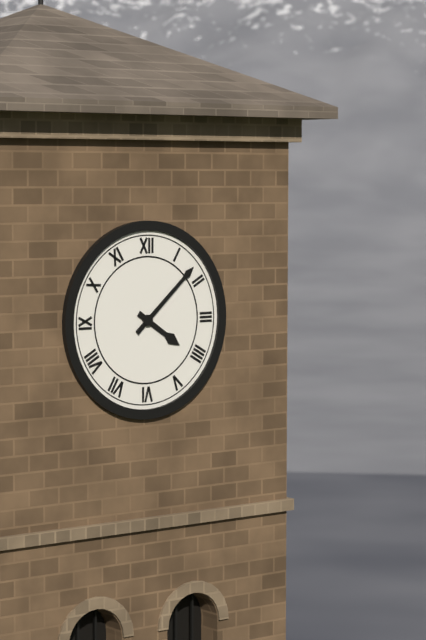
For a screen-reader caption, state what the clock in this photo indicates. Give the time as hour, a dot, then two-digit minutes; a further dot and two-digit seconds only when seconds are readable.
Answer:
4.08
